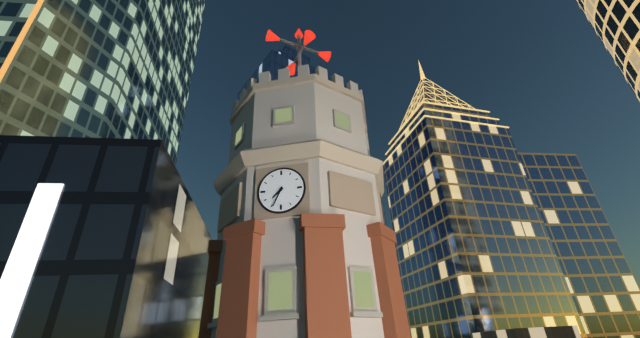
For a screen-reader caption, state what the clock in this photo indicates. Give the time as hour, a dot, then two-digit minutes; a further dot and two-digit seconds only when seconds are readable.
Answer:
7.34
